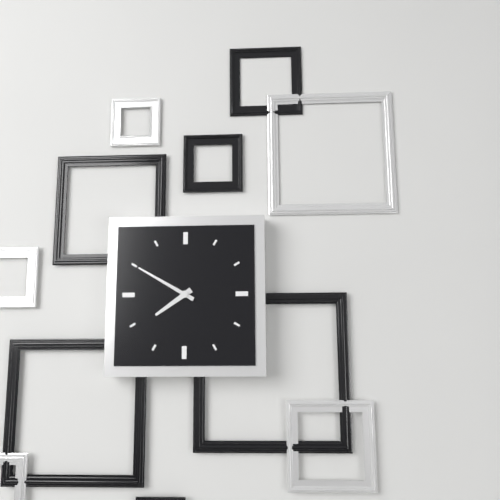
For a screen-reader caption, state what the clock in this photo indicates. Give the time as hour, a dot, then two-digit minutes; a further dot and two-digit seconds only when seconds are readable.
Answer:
7.50
